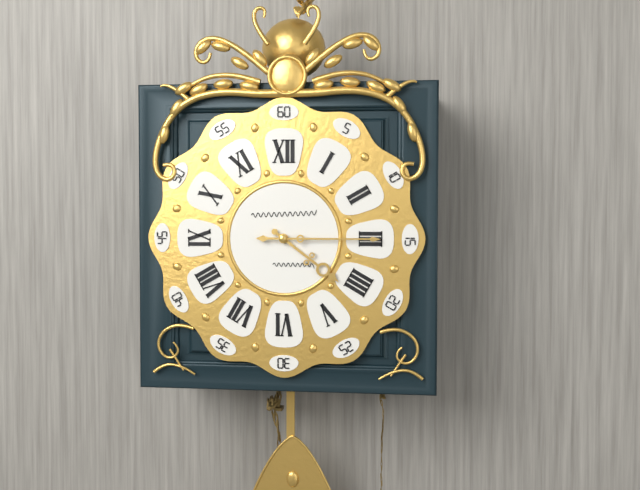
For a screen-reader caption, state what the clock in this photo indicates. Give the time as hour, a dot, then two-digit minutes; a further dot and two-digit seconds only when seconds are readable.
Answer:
4.15
